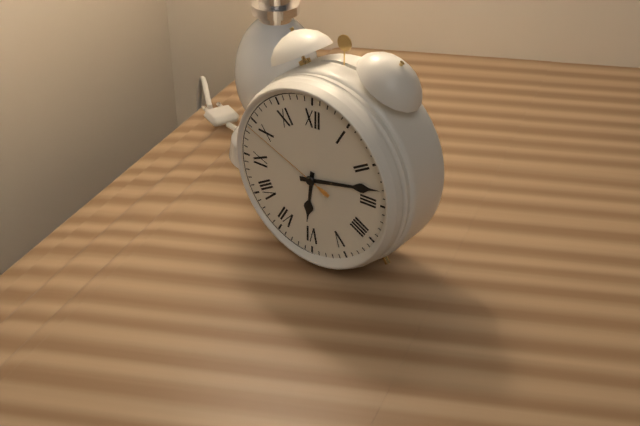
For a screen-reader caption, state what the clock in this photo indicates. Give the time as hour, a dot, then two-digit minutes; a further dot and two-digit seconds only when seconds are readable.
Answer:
6.13.49
